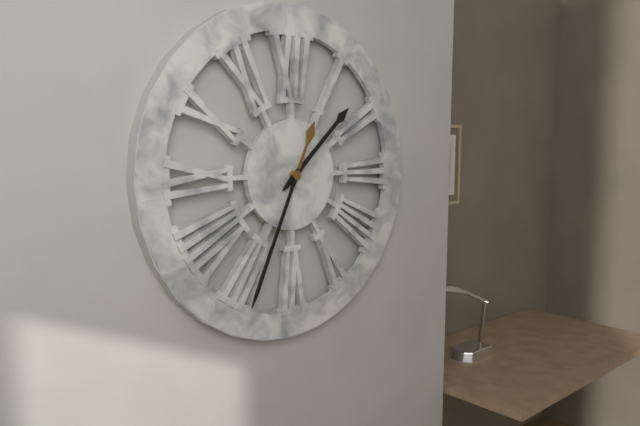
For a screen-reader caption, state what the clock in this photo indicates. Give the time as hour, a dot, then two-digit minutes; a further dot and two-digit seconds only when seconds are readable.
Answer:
1.34
